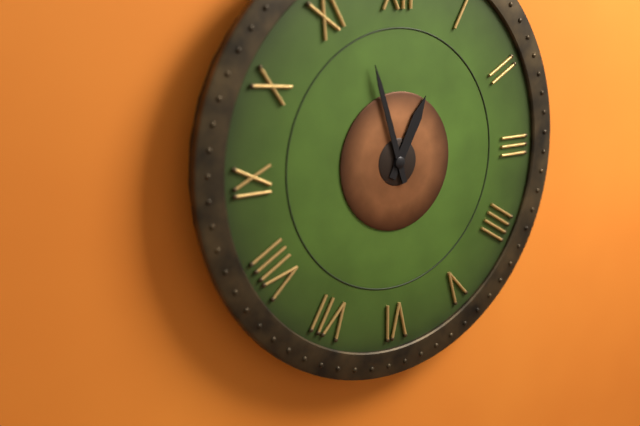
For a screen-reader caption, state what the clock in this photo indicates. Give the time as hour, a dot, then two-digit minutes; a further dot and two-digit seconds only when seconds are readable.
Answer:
12.57
